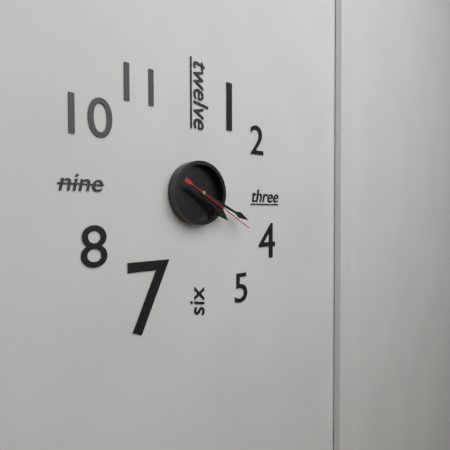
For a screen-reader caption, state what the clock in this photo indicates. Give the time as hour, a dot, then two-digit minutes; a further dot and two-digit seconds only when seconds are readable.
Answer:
4.19.20
